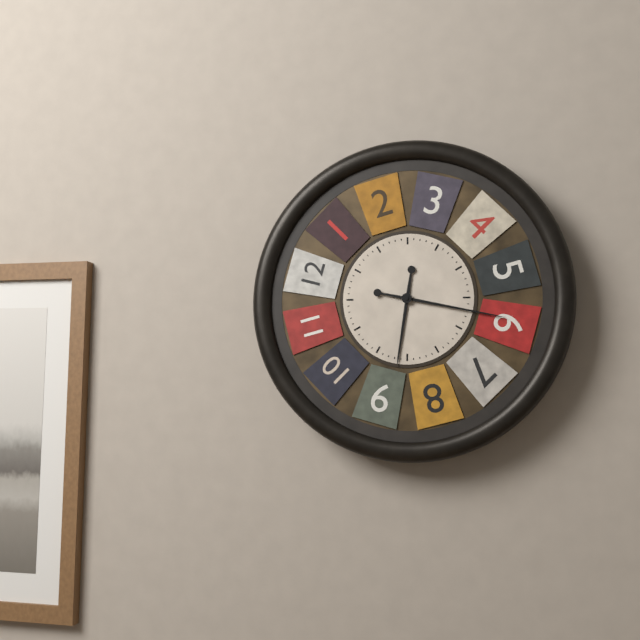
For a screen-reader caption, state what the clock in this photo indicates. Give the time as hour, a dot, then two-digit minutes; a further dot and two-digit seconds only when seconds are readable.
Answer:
6.17
